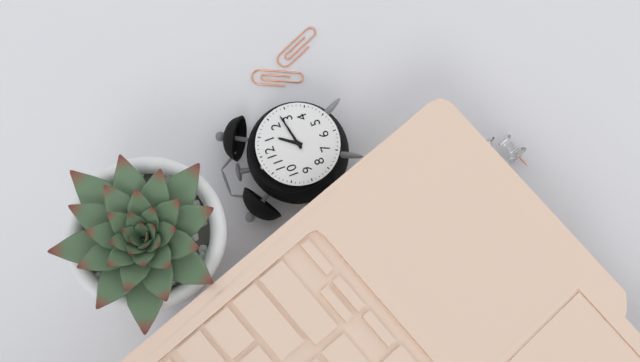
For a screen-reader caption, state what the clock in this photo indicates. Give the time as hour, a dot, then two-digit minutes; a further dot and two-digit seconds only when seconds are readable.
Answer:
1.13
